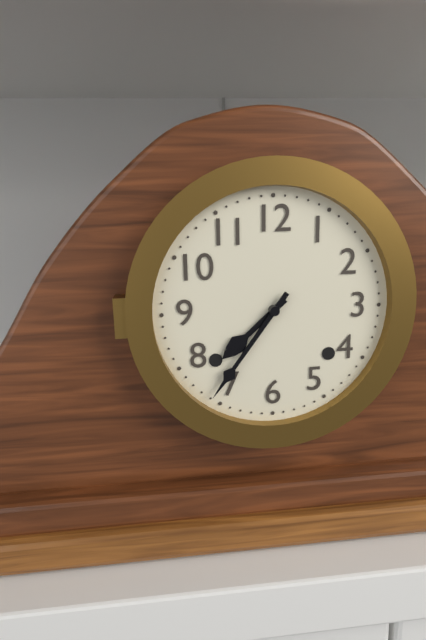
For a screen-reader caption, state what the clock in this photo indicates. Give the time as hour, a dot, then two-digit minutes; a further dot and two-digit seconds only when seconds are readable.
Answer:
7.36
